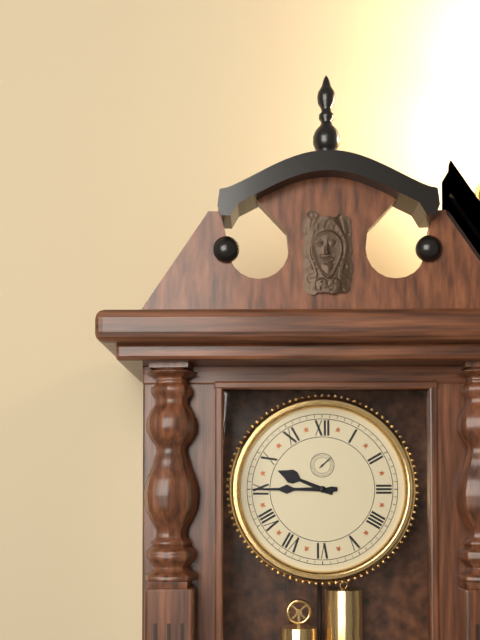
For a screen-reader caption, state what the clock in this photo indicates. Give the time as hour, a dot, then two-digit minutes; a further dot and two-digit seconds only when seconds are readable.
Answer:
9.45
